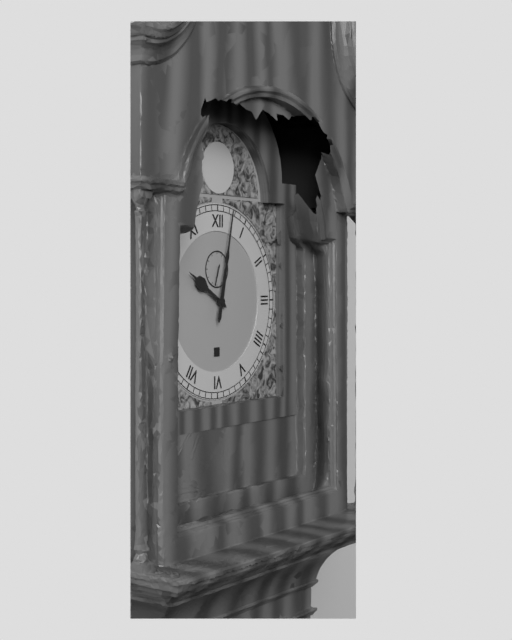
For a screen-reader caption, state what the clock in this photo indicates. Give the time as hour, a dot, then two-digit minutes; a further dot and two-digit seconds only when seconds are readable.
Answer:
10.02
